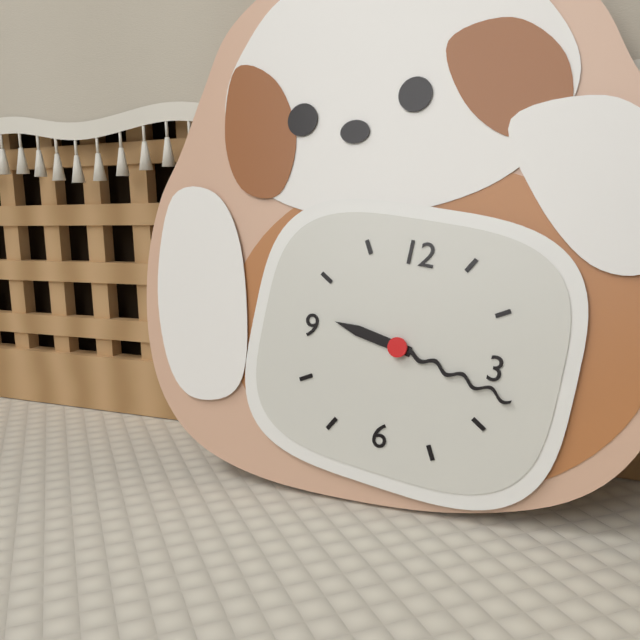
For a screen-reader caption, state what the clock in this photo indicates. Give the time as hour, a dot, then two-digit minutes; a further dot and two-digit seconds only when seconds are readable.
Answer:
9.17
